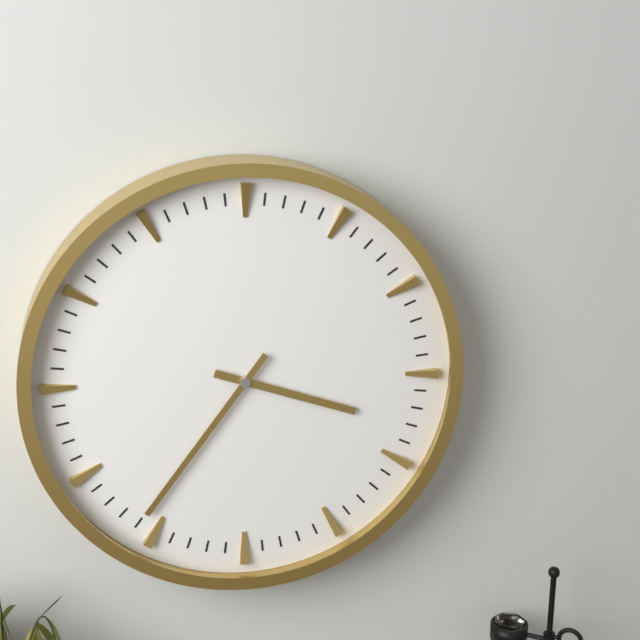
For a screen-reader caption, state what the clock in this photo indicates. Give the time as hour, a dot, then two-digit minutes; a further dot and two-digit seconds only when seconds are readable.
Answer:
3.36
